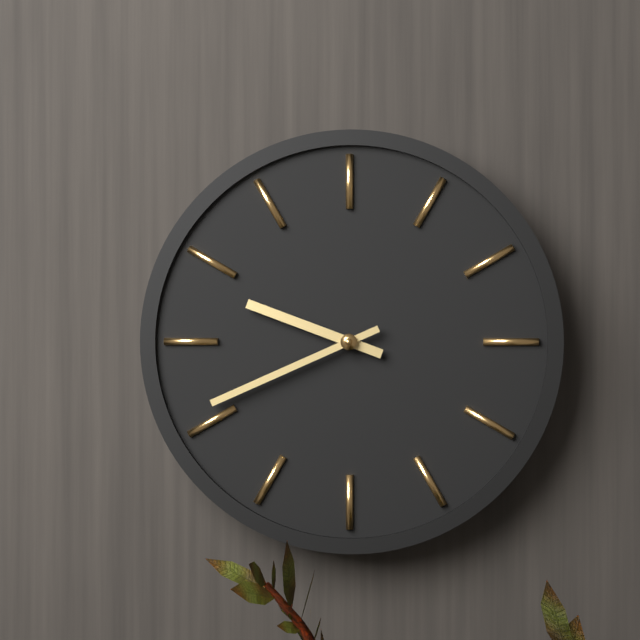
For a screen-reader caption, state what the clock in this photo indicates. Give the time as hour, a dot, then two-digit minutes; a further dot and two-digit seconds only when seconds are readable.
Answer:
9.41
